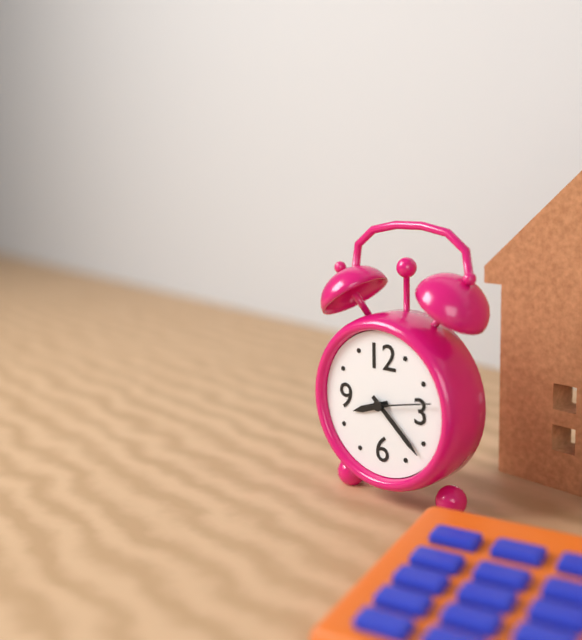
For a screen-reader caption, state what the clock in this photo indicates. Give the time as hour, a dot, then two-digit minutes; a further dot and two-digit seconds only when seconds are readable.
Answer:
8.22.13
